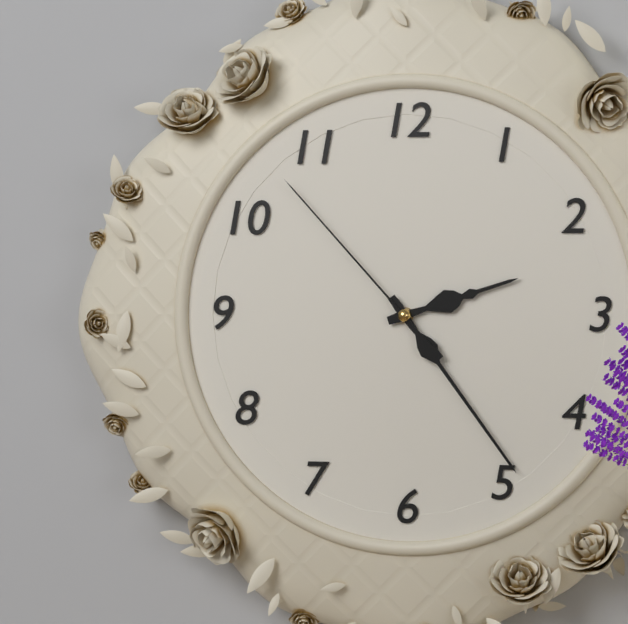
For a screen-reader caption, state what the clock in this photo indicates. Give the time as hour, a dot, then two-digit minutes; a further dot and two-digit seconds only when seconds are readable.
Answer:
2.24.53
